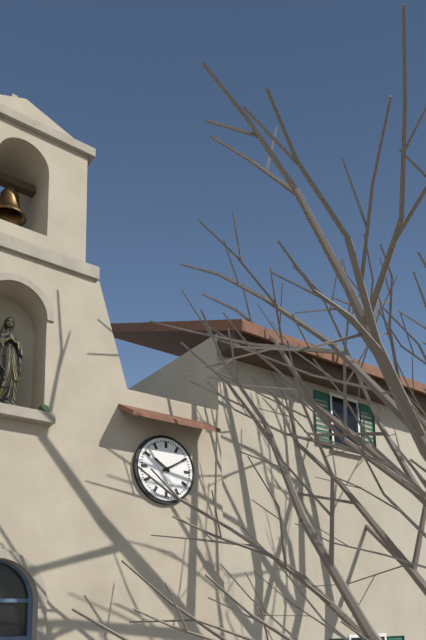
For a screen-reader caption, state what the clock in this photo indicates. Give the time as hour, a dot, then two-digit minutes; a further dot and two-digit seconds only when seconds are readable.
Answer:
10.10
